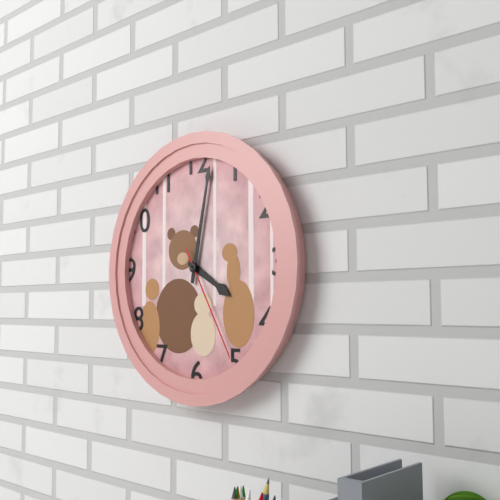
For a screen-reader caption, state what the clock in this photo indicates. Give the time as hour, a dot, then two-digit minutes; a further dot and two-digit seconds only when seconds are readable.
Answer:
4.02.25
